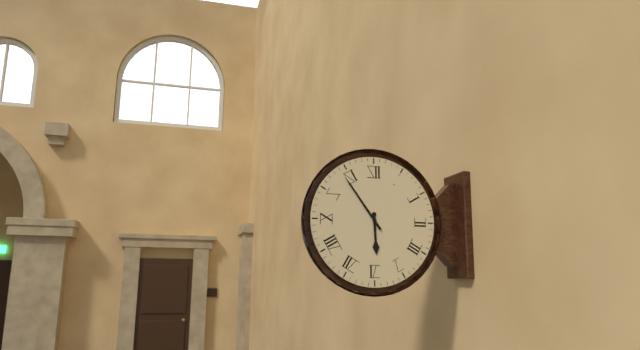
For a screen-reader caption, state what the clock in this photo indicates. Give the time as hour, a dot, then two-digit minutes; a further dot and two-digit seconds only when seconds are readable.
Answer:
5.54
